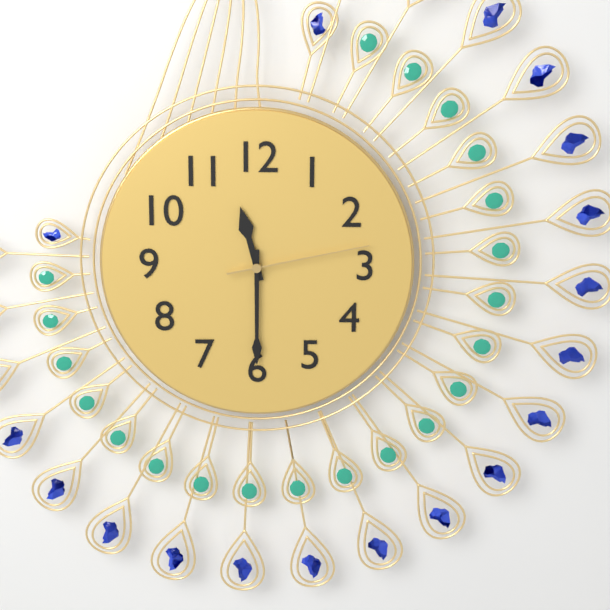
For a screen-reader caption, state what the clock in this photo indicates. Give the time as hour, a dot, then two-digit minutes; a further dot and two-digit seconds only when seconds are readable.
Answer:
11.30.13
